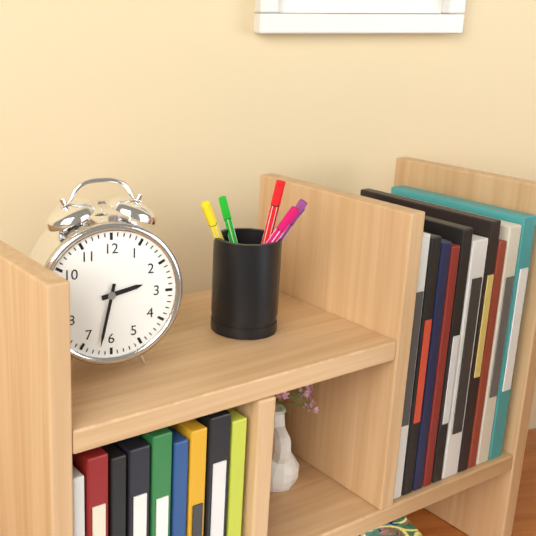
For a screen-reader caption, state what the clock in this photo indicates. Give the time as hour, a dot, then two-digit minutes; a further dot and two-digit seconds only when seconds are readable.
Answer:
2.32
